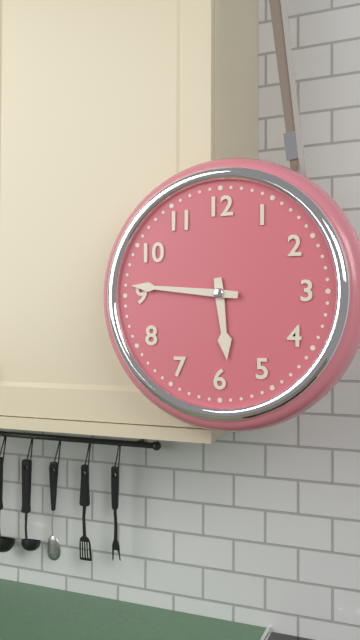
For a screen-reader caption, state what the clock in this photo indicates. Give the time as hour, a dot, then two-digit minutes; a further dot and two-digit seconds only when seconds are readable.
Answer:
5.46
